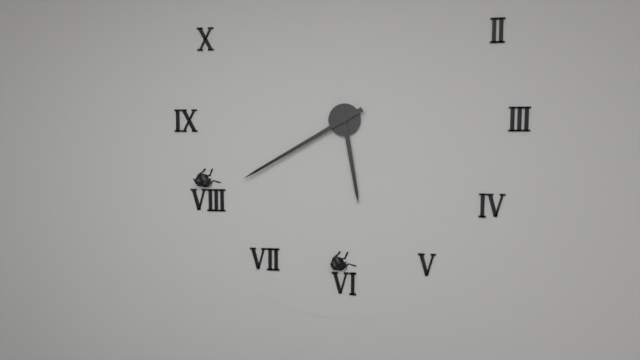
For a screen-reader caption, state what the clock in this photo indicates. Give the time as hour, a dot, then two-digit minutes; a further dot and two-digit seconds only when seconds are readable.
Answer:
5.40
